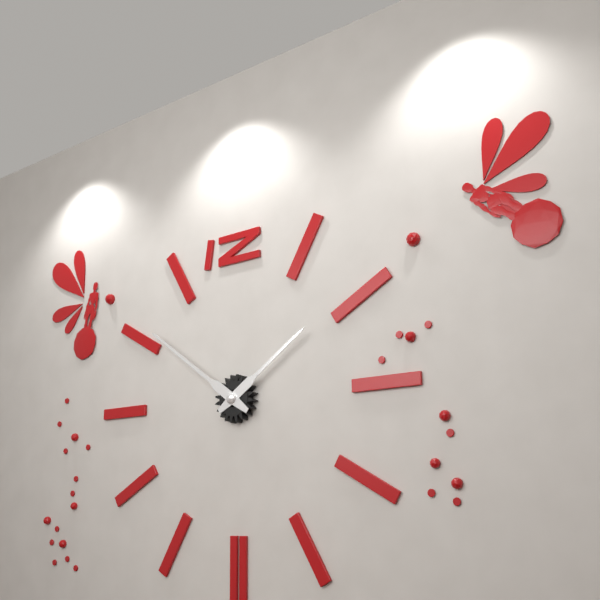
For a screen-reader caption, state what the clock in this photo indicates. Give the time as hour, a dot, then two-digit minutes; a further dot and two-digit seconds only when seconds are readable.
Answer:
1.51
